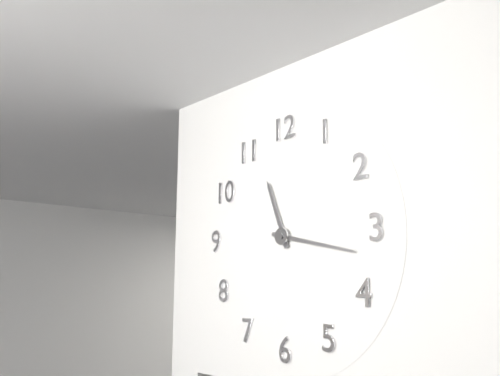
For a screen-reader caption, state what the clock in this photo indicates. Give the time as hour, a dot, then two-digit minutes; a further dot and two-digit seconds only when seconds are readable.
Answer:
11.17
